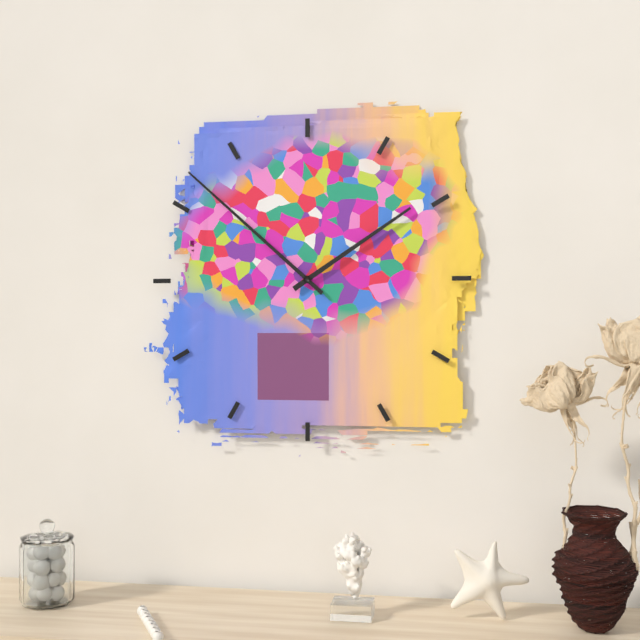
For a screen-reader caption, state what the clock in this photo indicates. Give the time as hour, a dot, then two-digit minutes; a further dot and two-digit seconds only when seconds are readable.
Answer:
1.52
